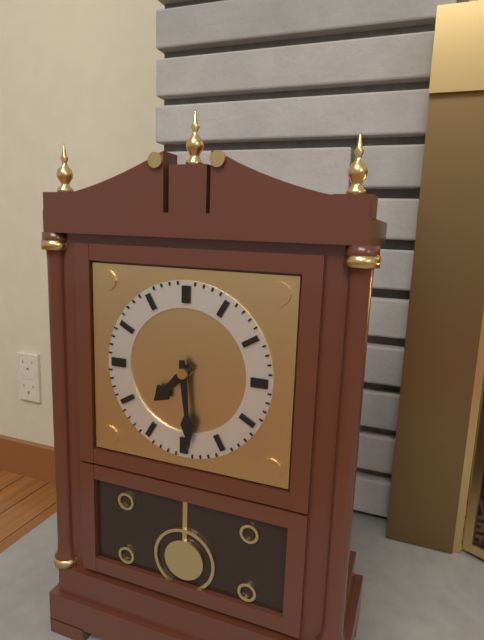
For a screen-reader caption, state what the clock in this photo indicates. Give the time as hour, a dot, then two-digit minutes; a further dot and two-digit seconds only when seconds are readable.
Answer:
7.29
